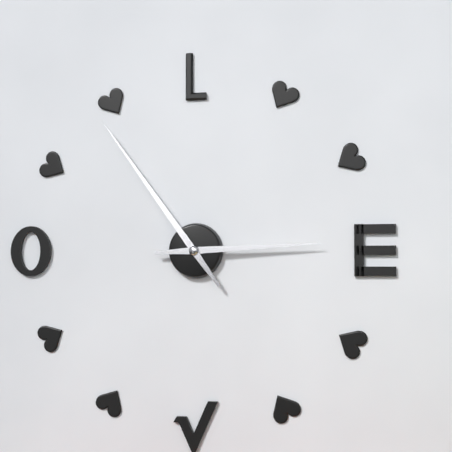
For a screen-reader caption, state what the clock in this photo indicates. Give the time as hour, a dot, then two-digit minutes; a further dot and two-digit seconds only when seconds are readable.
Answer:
2.54
